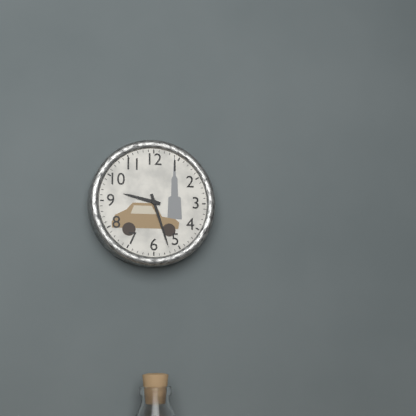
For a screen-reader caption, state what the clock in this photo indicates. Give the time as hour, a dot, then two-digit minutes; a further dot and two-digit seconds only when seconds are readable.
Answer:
9.27
